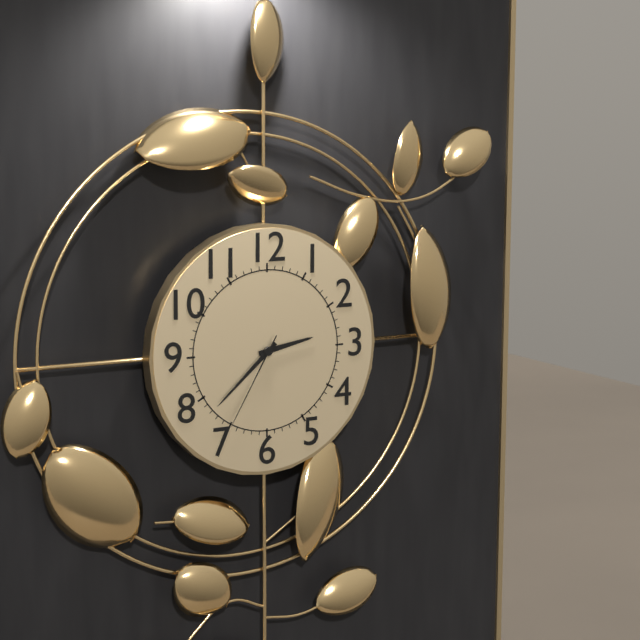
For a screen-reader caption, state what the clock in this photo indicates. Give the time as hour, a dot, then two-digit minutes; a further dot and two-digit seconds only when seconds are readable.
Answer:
2.38.35
